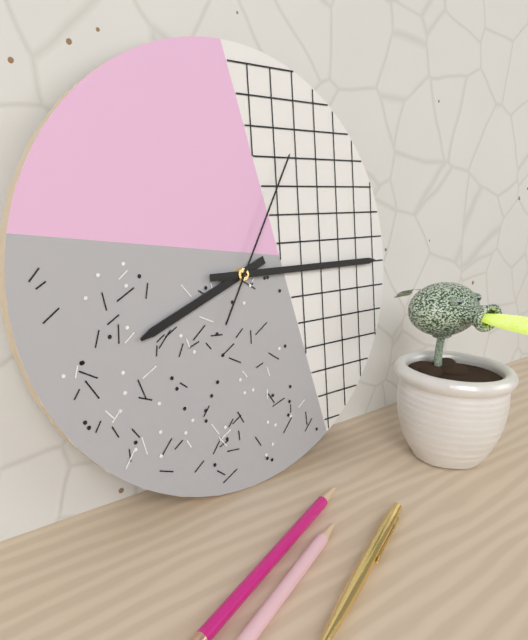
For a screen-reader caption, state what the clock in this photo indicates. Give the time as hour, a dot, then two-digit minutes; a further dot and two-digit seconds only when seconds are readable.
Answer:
8.15.05
